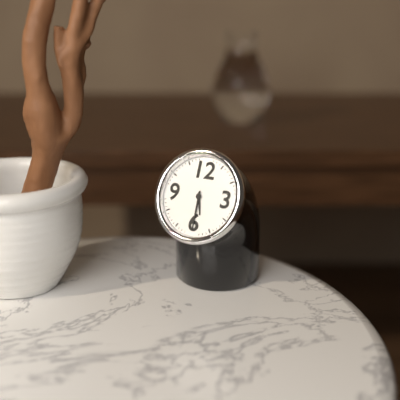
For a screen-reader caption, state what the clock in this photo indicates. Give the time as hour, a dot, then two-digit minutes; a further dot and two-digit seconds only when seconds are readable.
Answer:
5.30
